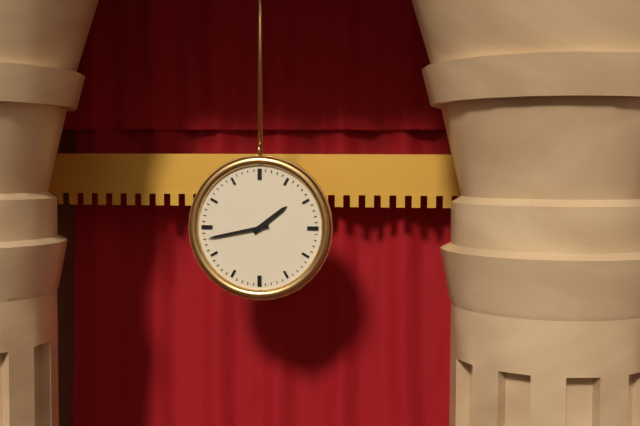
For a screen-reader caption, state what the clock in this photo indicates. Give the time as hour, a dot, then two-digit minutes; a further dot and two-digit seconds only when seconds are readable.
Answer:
1.43
